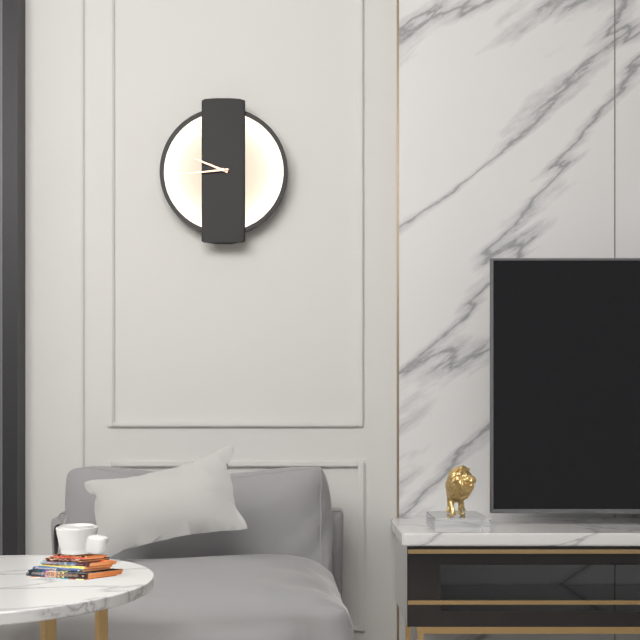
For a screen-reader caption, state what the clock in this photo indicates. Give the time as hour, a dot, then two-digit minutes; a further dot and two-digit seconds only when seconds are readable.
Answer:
9.44
